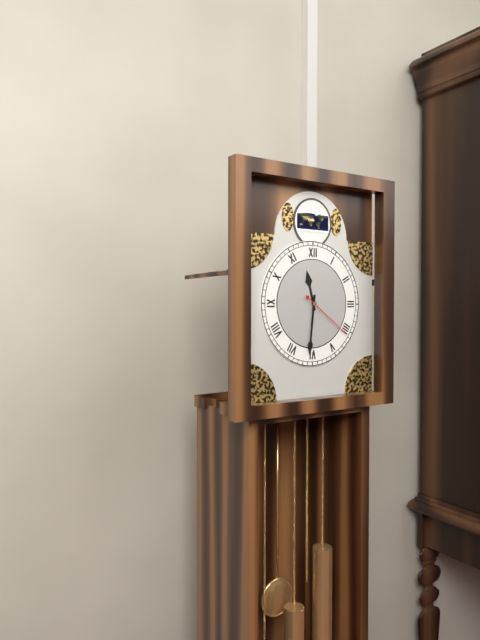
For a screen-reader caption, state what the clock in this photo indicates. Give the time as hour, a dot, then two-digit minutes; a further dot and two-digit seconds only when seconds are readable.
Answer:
11.31.21
